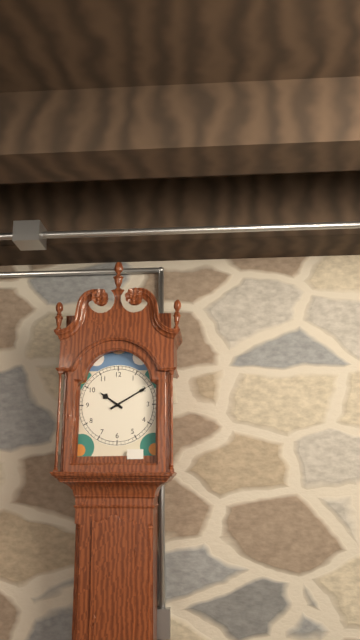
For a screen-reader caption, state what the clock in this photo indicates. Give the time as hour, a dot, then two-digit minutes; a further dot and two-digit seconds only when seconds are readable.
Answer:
10.10
